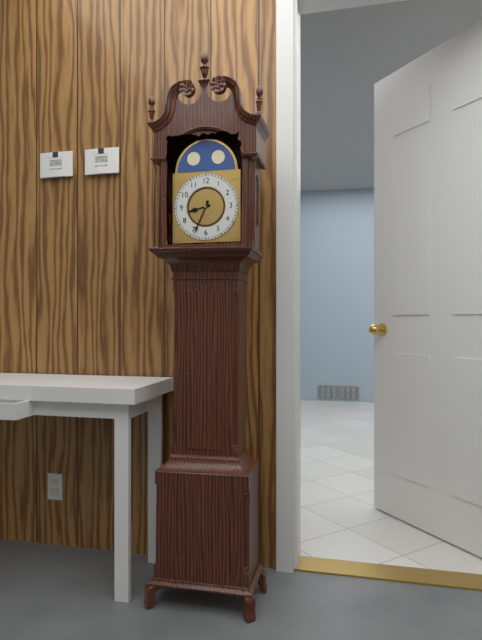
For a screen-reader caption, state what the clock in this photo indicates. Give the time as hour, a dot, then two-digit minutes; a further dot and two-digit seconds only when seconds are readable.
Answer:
8.34
